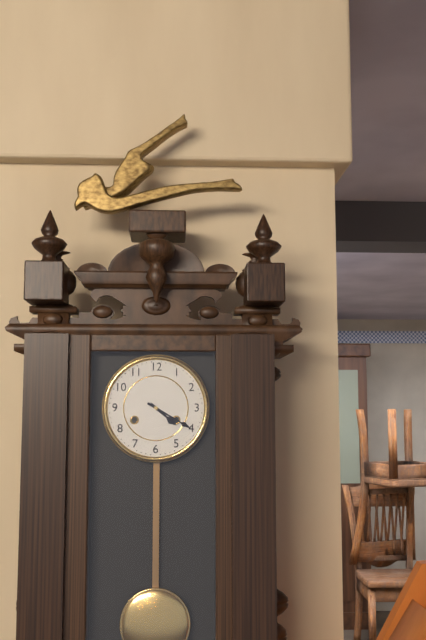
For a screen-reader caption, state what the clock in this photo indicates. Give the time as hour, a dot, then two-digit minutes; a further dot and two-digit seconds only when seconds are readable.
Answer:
4.20
